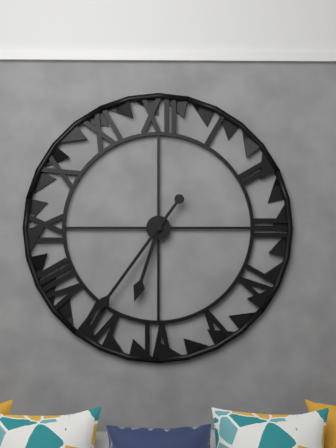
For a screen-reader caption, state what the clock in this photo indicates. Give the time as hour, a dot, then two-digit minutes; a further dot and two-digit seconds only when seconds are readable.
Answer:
6.36
